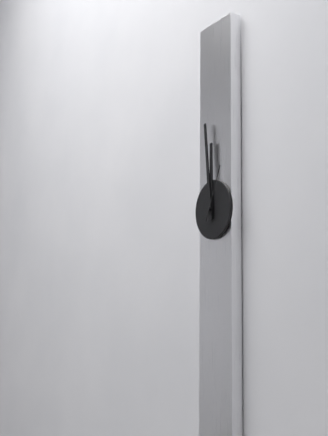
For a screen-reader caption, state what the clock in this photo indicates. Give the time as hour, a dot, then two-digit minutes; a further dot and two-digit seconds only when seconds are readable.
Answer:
11.59.04
